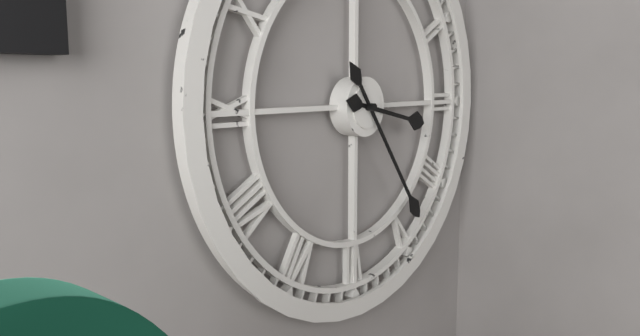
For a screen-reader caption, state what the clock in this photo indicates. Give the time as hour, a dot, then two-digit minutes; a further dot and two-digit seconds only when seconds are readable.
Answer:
3.24
